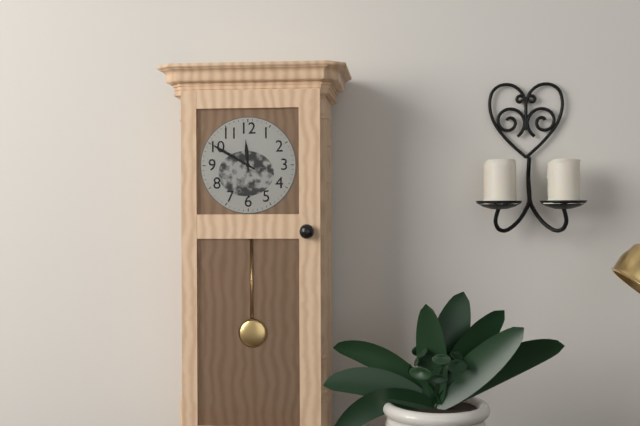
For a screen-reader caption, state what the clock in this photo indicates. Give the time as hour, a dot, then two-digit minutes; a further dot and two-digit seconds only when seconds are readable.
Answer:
11.50
